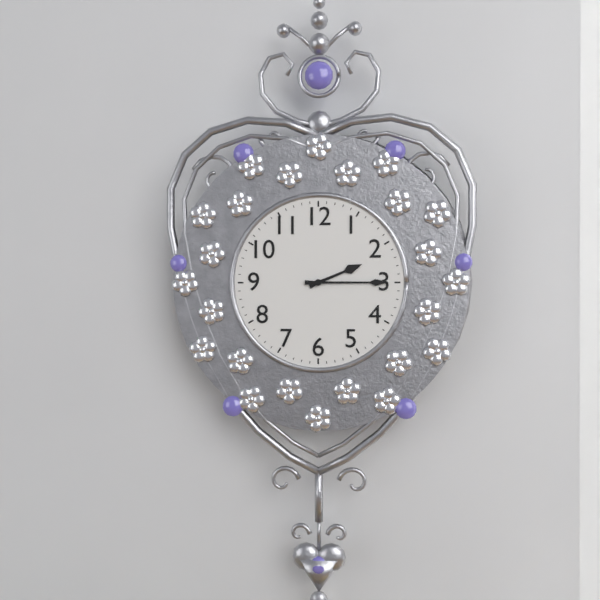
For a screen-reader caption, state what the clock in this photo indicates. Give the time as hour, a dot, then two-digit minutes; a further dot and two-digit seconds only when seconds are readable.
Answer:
2.15
